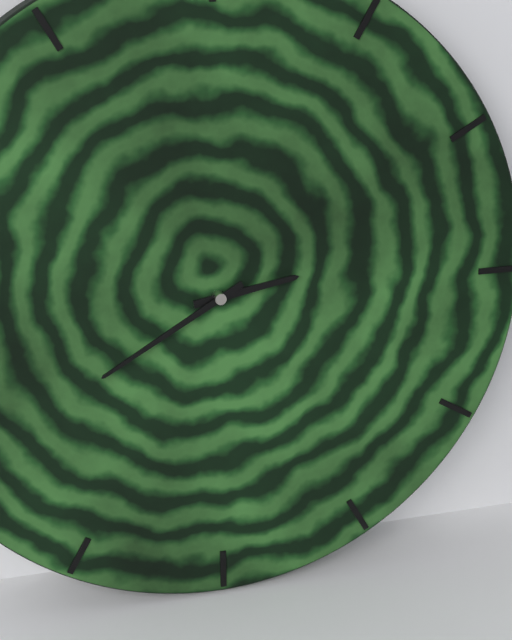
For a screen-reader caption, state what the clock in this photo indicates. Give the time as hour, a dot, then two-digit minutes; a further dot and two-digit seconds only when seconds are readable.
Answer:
2.40
